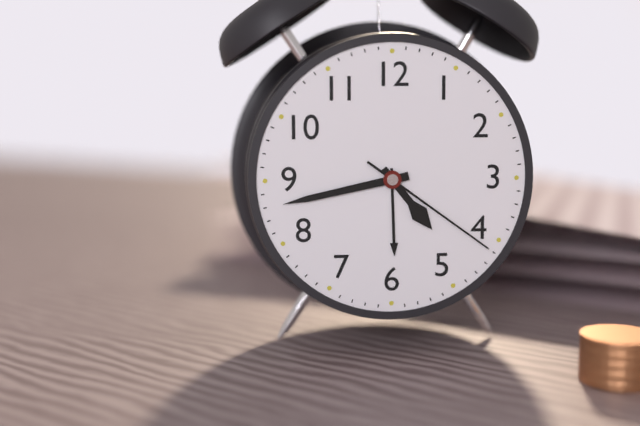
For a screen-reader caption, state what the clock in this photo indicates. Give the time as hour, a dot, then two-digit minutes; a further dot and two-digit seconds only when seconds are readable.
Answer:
4.43.21
